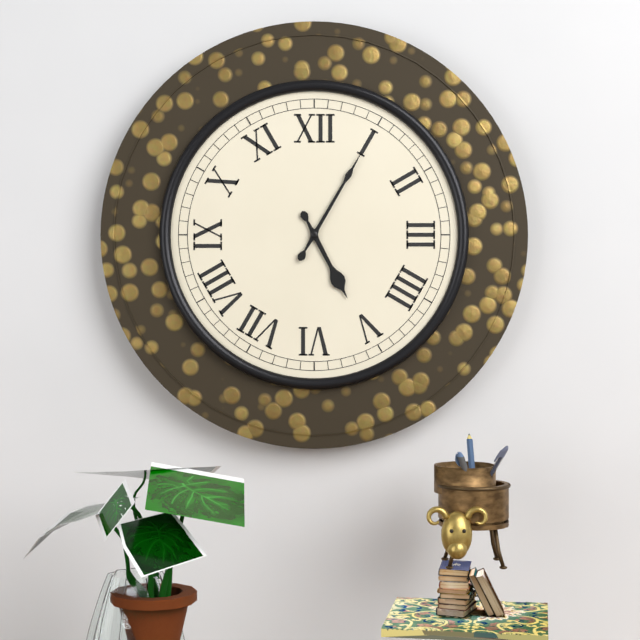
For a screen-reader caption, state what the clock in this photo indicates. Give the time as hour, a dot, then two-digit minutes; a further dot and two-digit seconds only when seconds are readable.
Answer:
5.05
